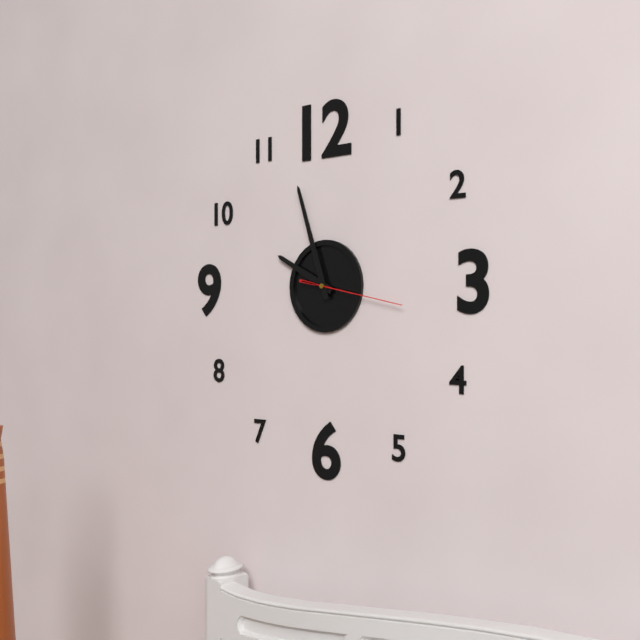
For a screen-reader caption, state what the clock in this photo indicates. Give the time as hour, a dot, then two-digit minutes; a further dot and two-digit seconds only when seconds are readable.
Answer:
9.57.17
